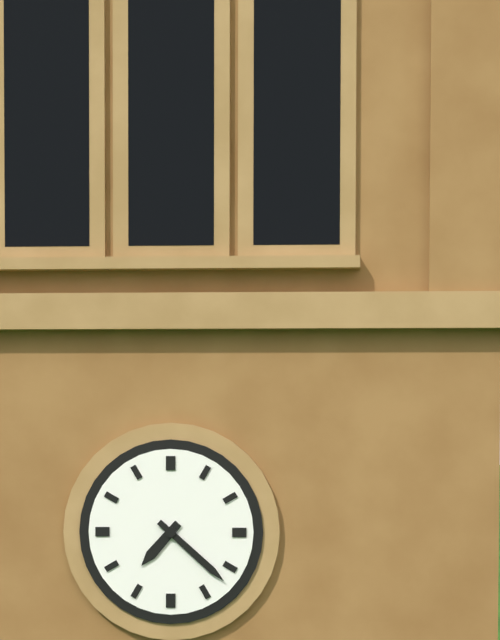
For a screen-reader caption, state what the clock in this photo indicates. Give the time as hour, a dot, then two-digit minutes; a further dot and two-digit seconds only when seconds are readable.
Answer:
7.22
